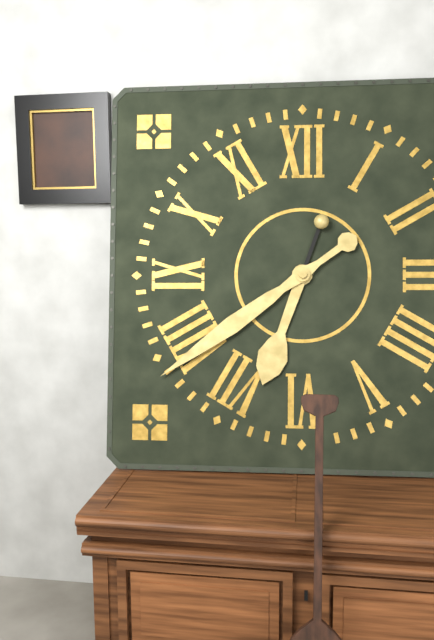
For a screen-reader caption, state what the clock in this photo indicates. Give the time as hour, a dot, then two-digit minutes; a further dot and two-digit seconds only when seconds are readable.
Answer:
6.39
